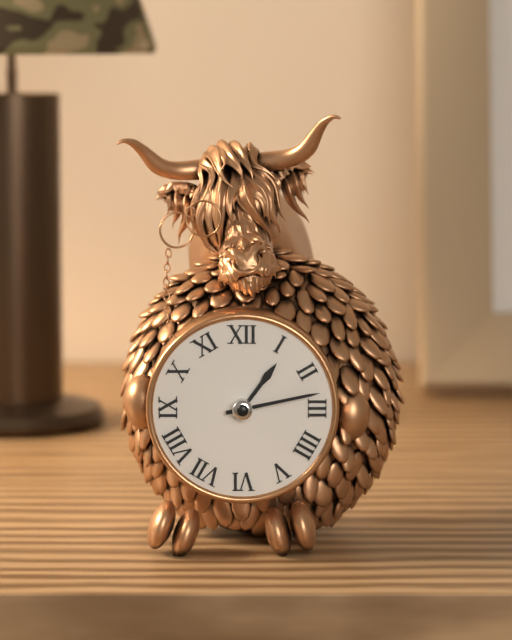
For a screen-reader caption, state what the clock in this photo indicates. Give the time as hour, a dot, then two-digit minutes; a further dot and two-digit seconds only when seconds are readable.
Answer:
1.13
